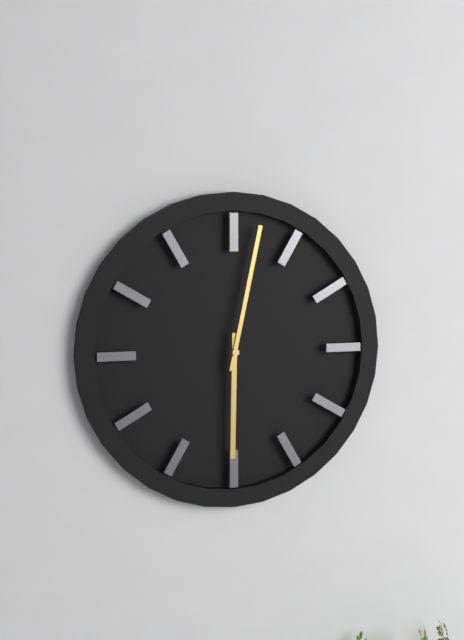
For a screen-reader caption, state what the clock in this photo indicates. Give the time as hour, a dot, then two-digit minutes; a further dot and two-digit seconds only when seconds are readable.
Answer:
6.02
